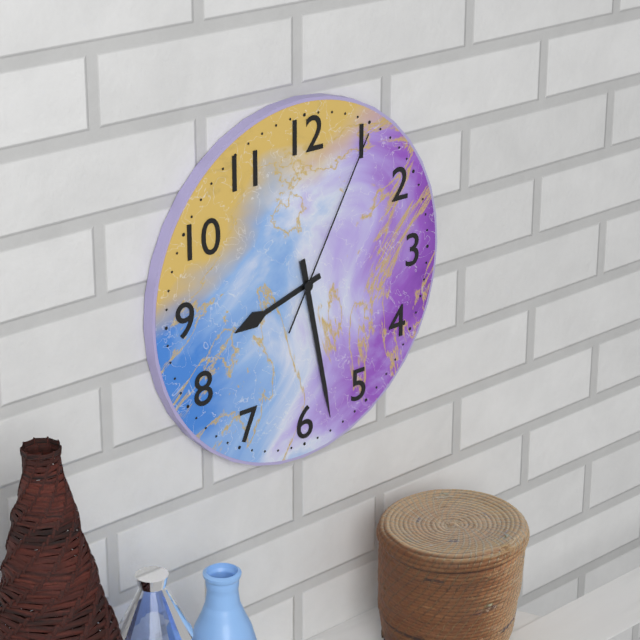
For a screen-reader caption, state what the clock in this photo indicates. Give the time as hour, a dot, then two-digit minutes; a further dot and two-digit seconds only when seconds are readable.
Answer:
8.28.05
